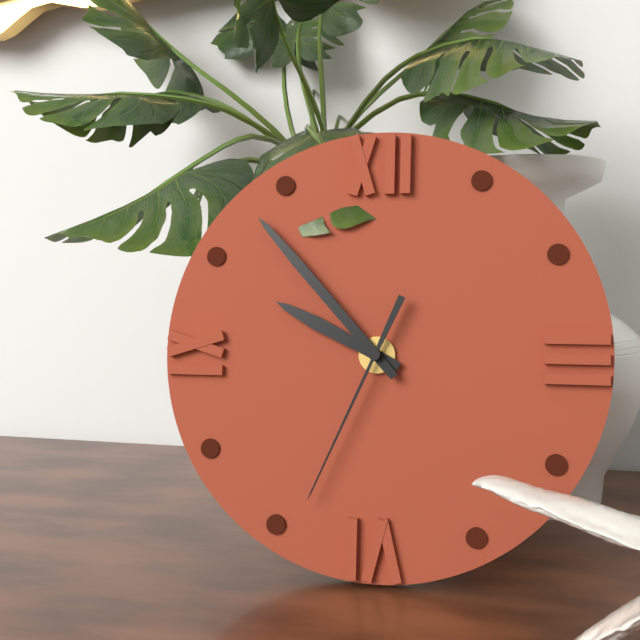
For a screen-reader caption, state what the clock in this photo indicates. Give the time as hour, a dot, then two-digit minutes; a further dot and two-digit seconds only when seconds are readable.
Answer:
9.53.34
